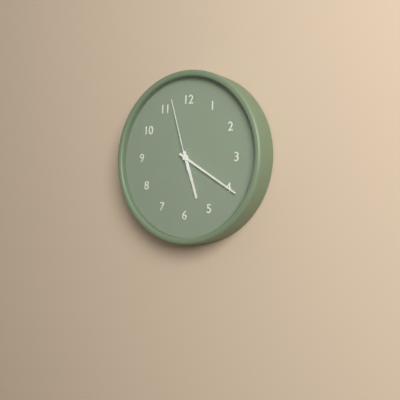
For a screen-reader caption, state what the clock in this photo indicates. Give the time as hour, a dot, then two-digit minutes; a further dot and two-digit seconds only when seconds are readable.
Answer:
5.20.57
